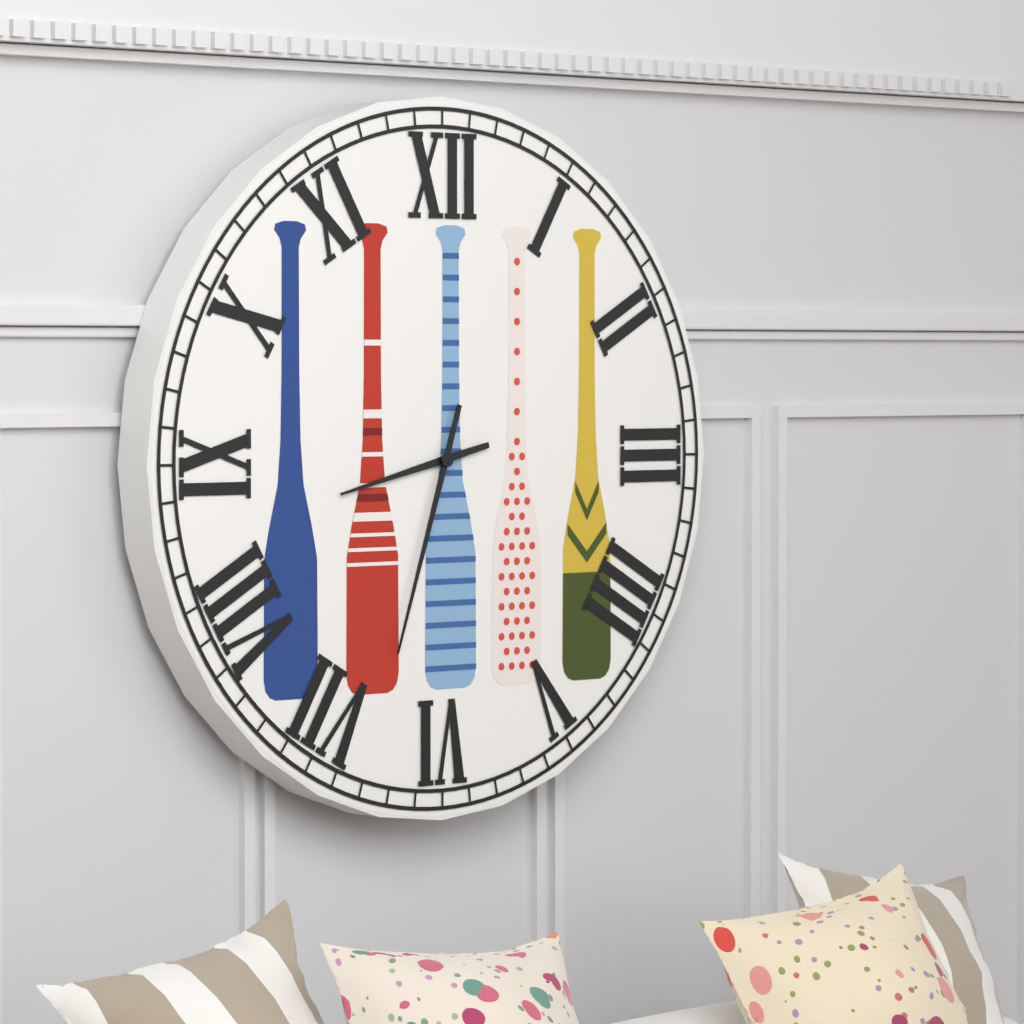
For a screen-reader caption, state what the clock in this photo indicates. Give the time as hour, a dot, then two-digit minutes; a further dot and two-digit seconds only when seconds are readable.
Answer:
8.33
